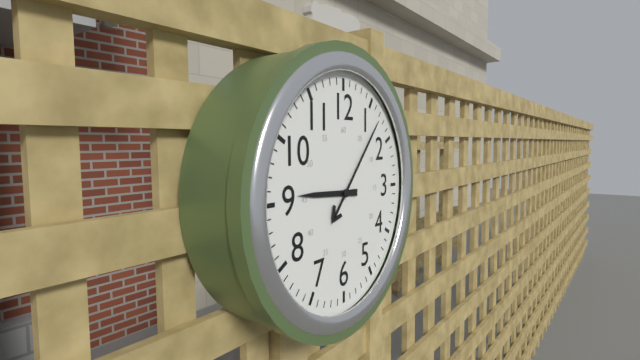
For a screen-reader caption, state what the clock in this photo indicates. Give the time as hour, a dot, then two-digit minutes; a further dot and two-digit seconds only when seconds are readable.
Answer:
9.07
